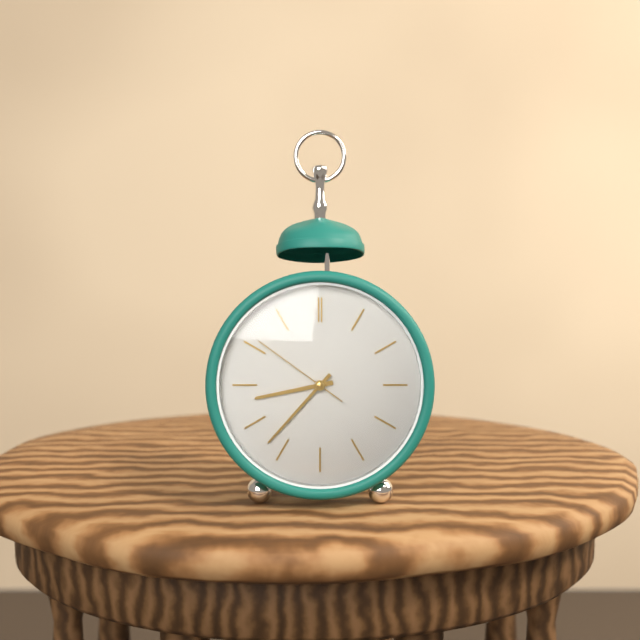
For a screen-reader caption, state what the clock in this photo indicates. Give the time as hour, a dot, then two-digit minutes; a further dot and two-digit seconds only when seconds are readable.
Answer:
8.37.51
